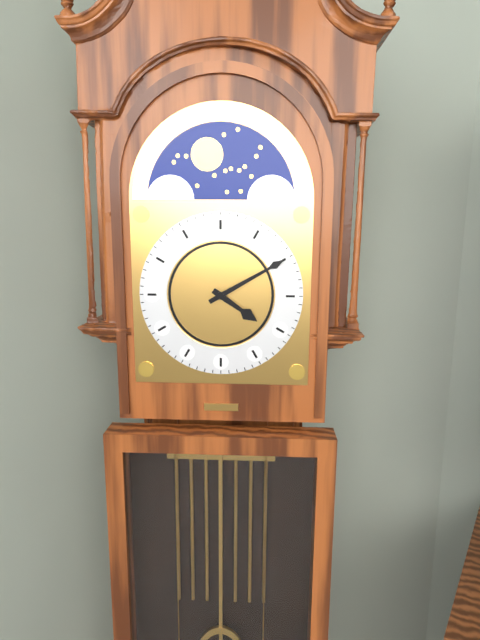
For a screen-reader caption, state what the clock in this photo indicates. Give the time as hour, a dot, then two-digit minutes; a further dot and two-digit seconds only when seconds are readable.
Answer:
4.10
